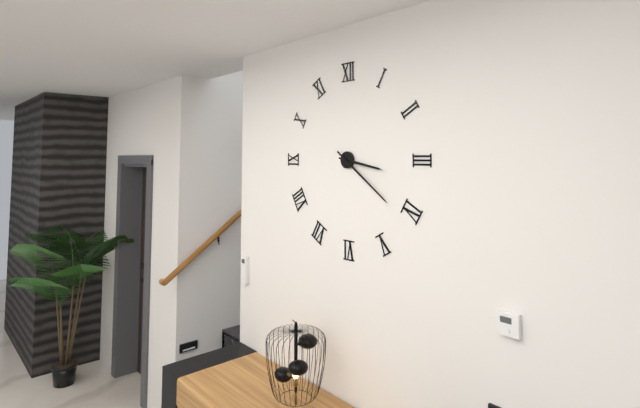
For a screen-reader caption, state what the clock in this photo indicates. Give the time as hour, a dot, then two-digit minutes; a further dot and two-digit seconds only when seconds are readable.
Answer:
3.21
